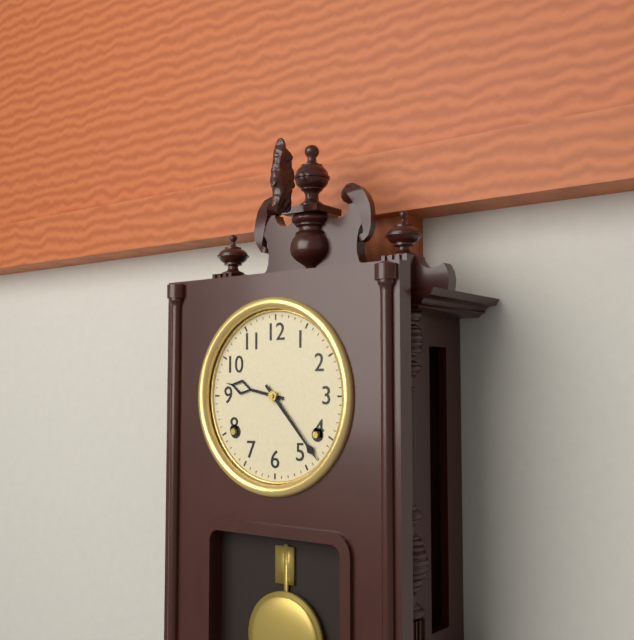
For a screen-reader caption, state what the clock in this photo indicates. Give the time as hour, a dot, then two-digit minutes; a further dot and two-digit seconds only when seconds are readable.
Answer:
9.23
